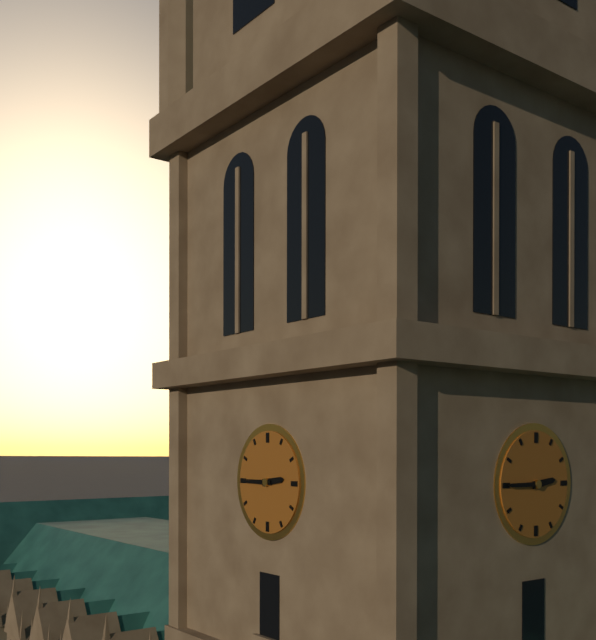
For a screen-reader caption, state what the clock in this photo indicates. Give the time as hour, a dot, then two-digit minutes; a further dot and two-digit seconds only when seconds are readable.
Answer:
2.45
